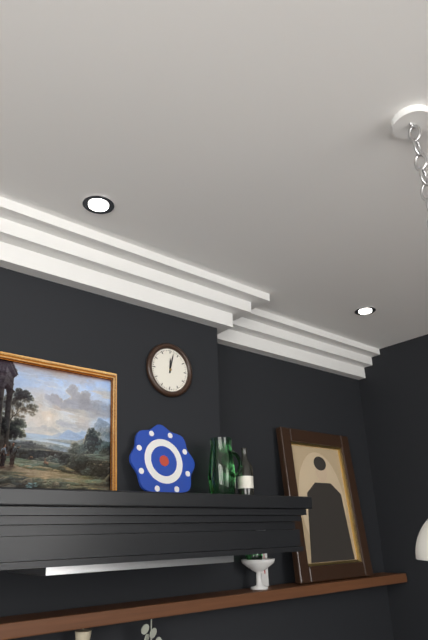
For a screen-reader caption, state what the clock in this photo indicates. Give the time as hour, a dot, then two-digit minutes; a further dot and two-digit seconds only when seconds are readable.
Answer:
12.02
